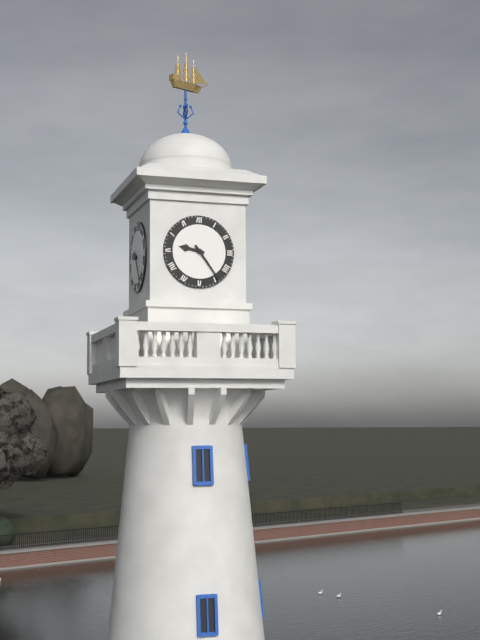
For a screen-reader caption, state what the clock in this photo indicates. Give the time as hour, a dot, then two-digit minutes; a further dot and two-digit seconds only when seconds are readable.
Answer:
9.24
